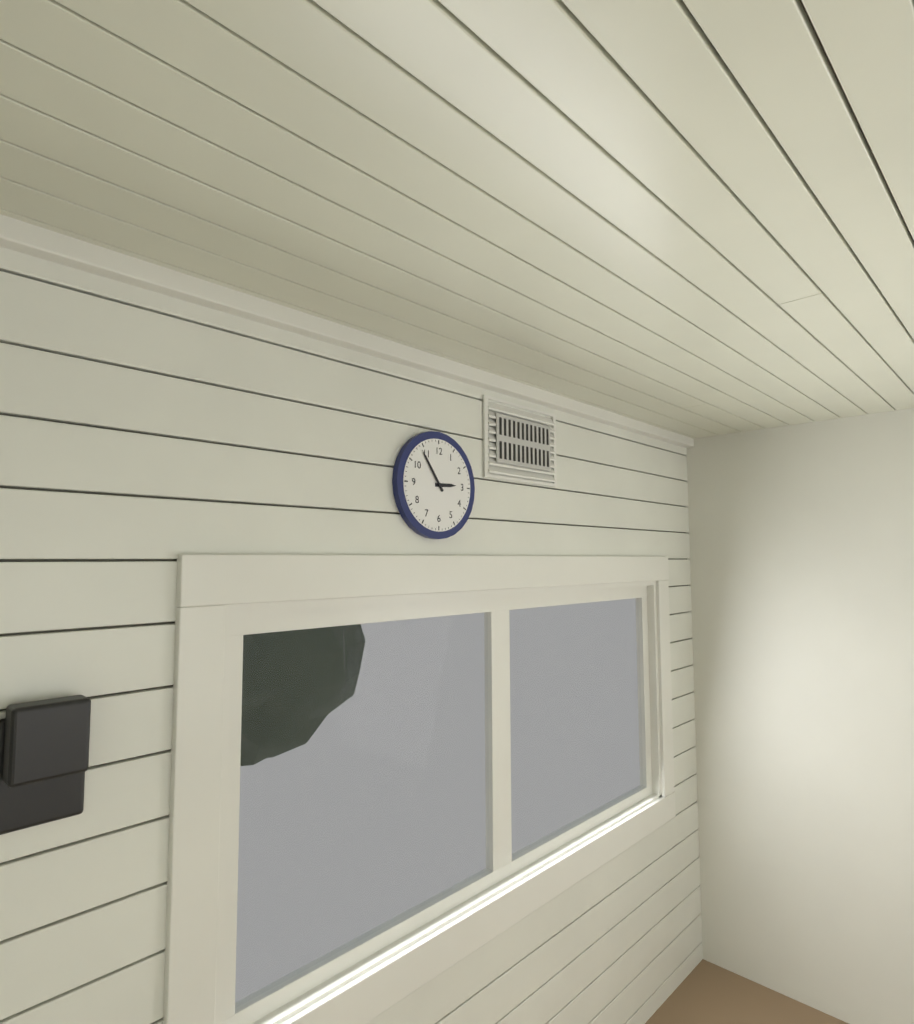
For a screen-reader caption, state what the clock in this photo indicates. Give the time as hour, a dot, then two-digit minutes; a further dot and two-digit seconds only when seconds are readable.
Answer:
2.54
